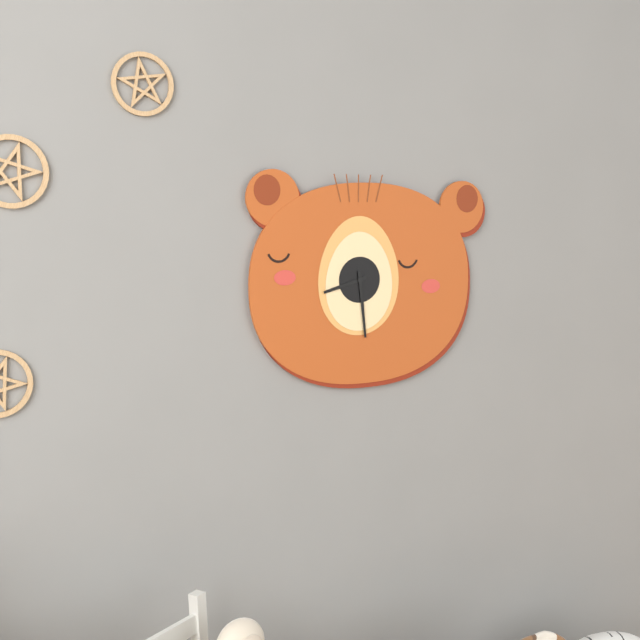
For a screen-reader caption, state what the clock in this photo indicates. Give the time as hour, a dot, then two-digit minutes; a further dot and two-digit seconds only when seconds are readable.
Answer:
8.29
